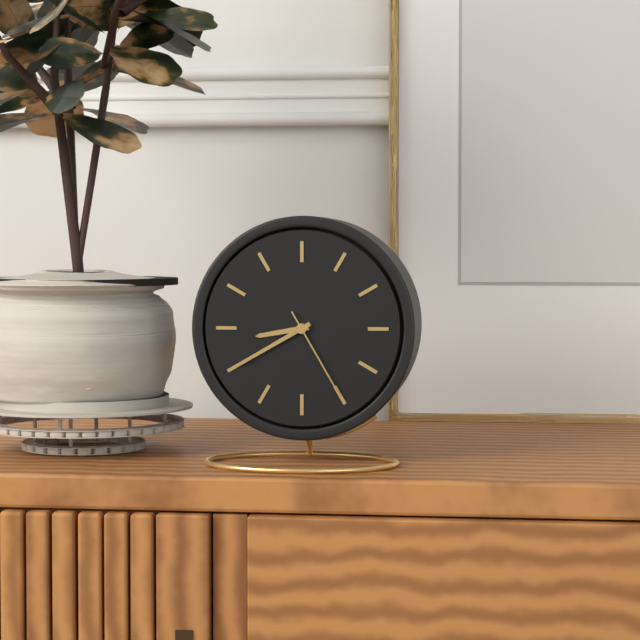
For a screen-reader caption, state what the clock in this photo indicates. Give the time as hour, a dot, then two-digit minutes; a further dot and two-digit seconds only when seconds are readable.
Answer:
8.40.25
